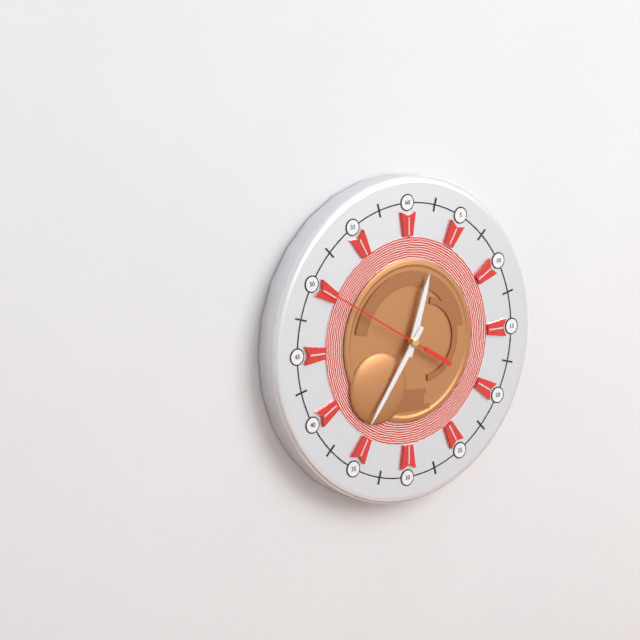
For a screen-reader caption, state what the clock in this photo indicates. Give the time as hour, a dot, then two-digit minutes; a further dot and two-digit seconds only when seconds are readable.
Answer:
12.36.50
